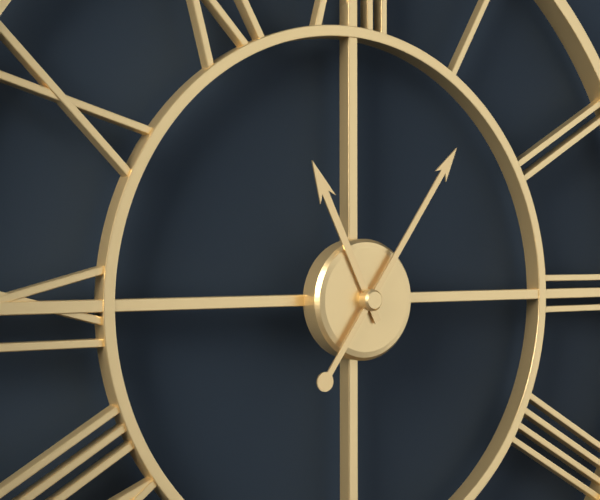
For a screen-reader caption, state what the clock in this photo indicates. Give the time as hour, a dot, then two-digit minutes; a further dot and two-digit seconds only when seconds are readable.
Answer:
11.06
